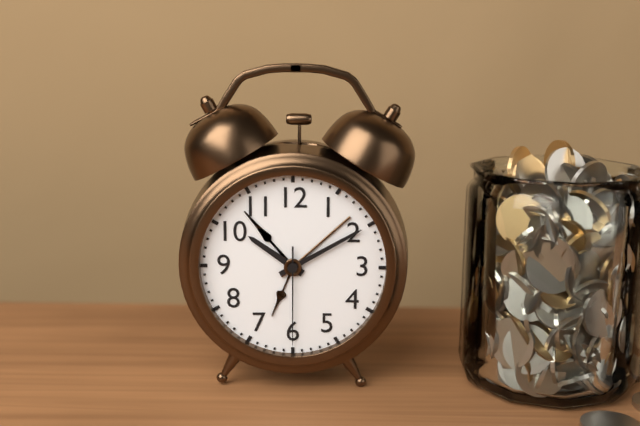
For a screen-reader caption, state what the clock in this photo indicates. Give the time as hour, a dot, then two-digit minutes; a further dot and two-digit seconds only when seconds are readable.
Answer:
10.10.30
